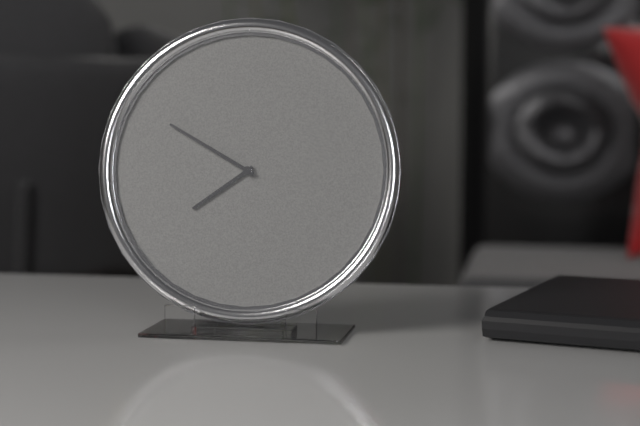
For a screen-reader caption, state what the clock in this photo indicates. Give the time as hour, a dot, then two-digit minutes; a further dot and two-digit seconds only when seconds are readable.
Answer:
7.50
